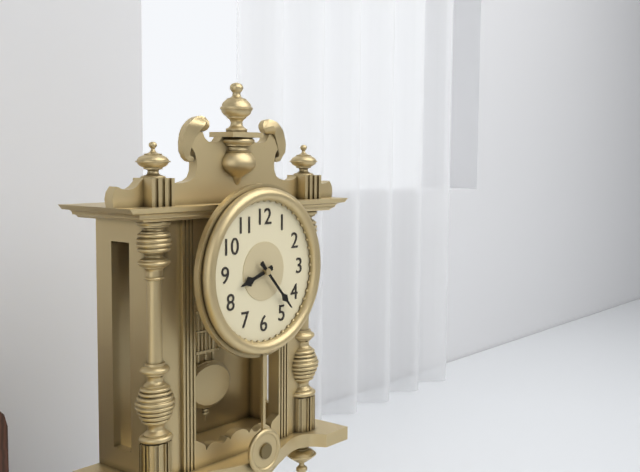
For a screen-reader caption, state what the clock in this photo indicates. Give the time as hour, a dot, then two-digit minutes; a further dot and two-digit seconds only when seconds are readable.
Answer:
8.23
